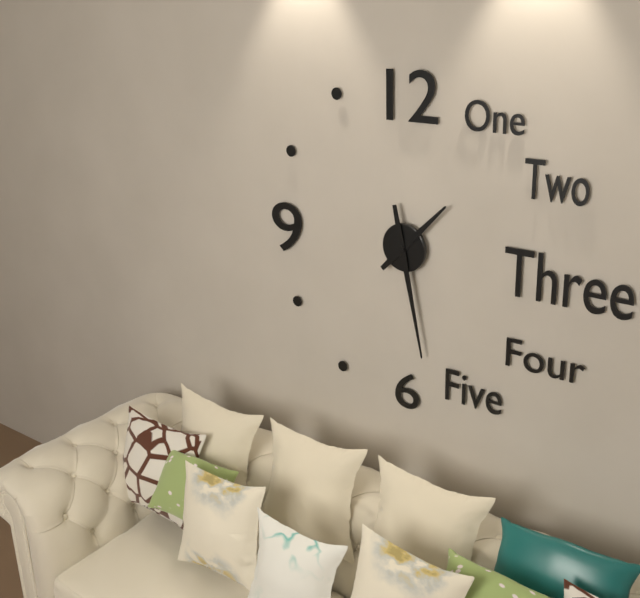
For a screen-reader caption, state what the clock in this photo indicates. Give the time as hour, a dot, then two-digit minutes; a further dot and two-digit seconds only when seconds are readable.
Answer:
1.28
